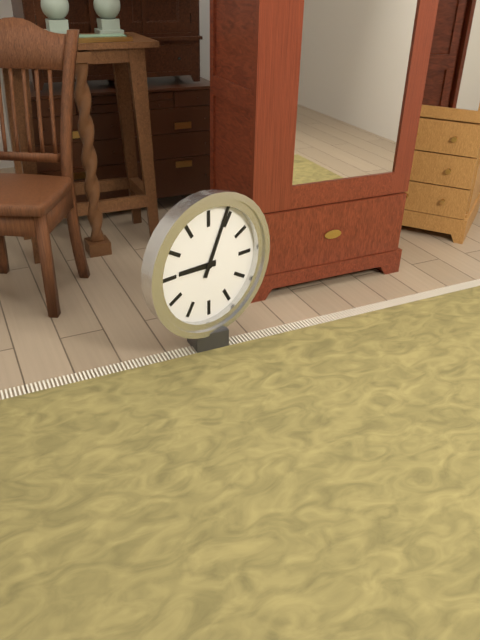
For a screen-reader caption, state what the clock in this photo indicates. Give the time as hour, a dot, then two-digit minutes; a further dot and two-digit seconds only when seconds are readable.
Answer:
9.04
